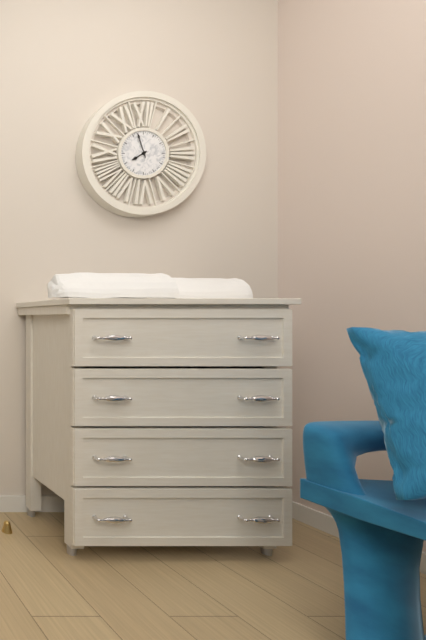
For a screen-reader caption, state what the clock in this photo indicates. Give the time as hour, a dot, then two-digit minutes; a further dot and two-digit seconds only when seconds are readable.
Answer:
7.57
